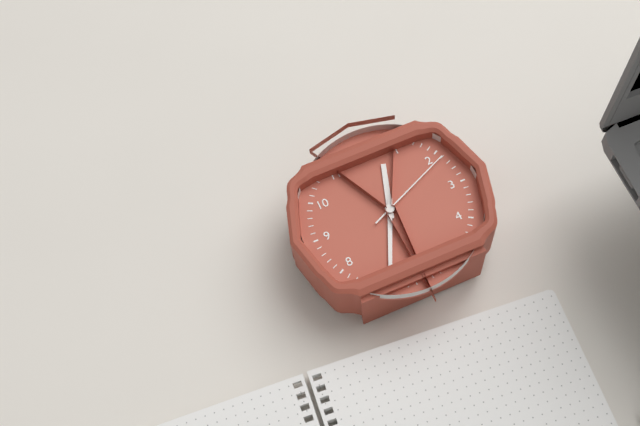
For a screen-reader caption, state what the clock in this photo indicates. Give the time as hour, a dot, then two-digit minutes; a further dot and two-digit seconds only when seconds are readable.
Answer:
12.34.11
